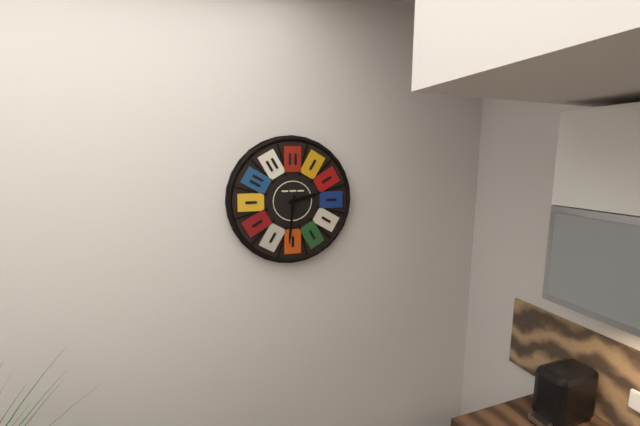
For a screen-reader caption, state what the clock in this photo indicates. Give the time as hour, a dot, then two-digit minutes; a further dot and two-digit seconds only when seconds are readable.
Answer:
2.31
